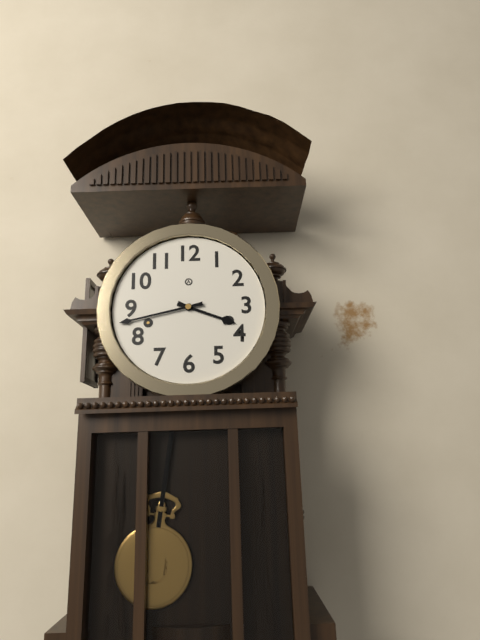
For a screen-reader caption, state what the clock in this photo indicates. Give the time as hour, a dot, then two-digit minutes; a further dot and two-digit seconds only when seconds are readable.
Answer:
3.43
